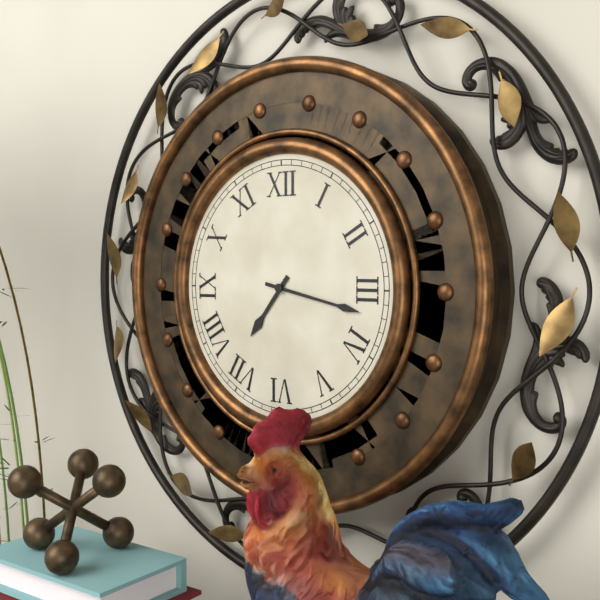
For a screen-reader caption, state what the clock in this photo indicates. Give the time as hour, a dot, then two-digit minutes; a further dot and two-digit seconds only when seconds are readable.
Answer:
7.17
